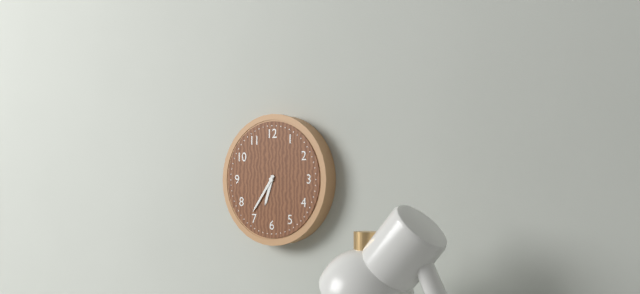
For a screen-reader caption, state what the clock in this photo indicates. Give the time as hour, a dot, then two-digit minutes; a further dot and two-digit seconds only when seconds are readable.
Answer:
6.36
